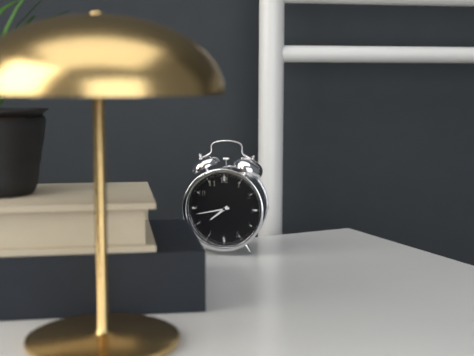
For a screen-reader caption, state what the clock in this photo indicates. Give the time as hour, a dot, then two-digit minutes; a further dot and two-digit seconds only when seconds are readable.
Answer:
7.43
